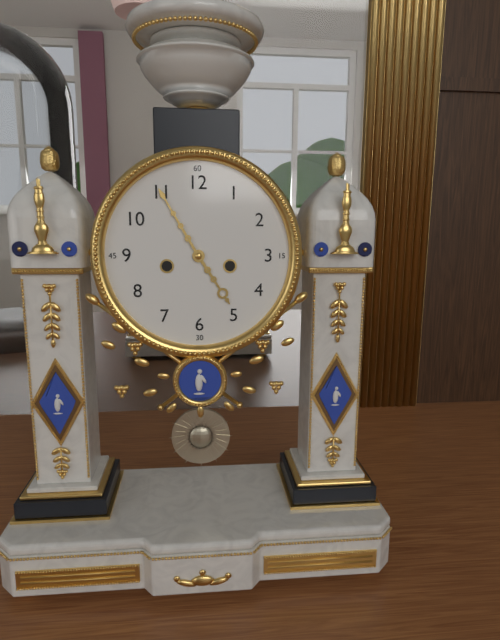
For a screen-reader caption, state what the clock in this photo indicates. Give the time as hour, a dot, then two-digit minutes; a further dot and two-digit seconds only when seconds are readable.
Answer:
4.55
